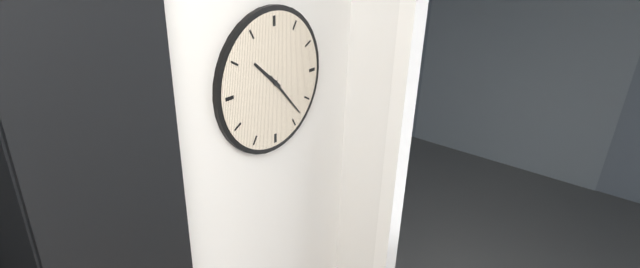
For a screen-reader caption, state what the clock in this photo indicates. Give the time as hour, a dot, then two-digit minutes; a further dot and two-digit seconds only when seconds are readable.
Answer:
10.23
